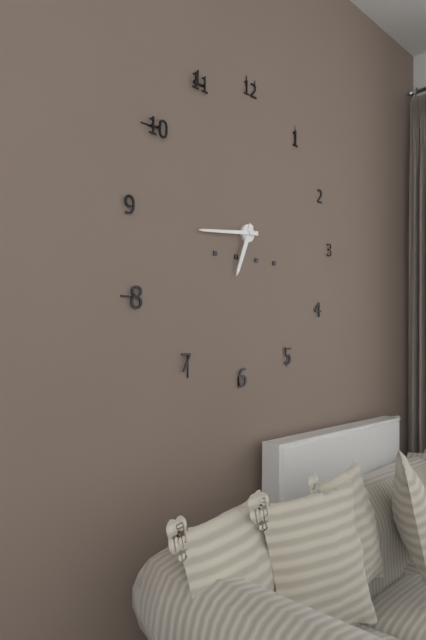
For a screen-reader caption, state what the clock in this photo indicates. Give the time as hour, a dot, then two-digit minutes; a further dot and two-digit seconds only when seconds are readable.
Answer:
6.44
